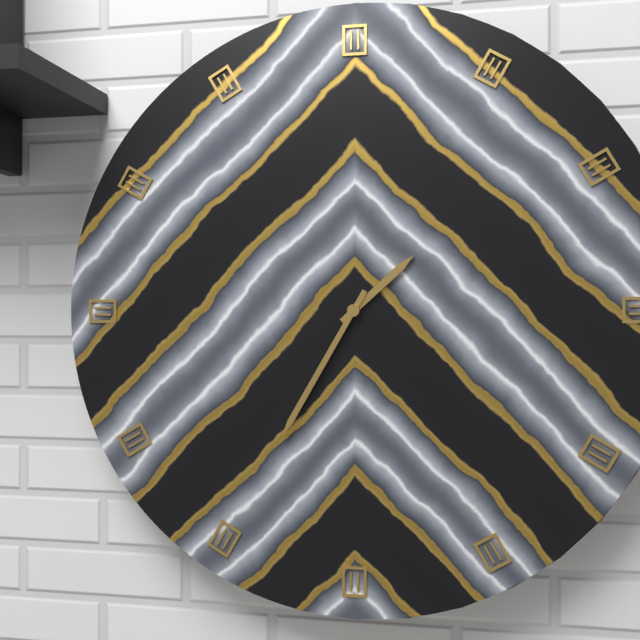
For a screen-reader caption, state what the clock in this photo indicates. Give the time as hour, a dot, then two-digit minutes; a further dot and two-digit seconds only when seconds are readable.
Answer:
1.35
